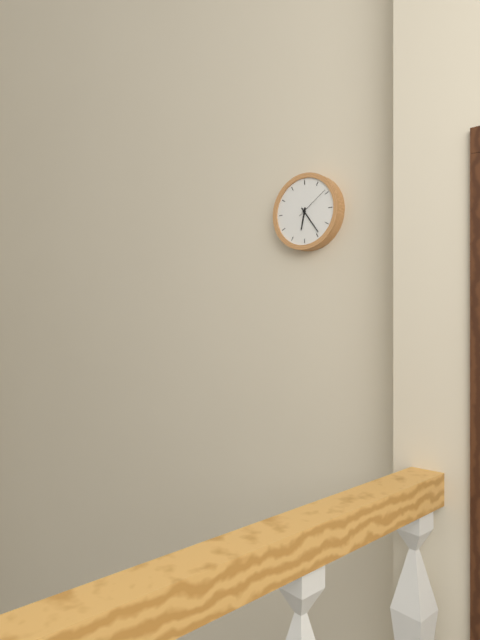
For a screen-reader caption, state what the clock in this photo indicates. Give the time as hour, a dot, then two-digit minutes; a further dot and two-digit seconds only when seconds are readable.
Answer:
6.24
